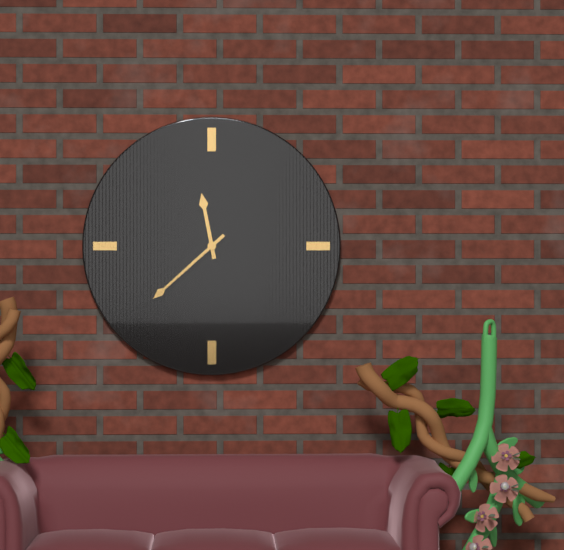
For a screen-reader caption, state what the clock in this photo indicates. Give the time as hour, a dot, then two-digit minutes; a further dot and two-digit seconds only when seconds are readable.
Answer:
11.38
